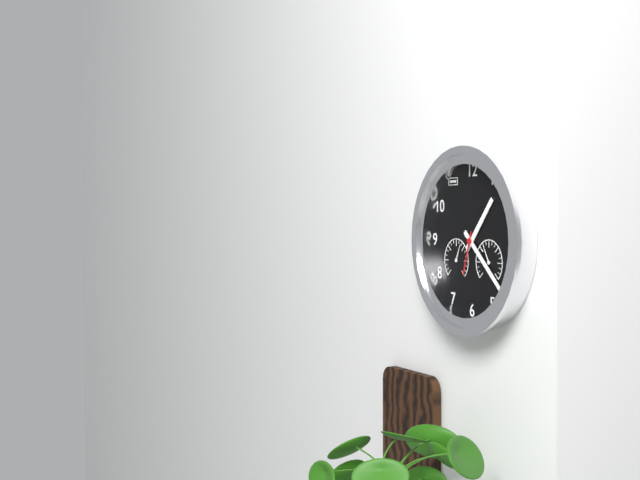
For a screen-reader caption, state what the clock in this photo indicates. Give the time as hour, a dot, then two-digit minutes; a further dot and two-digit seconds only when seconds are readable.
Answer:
1.22
